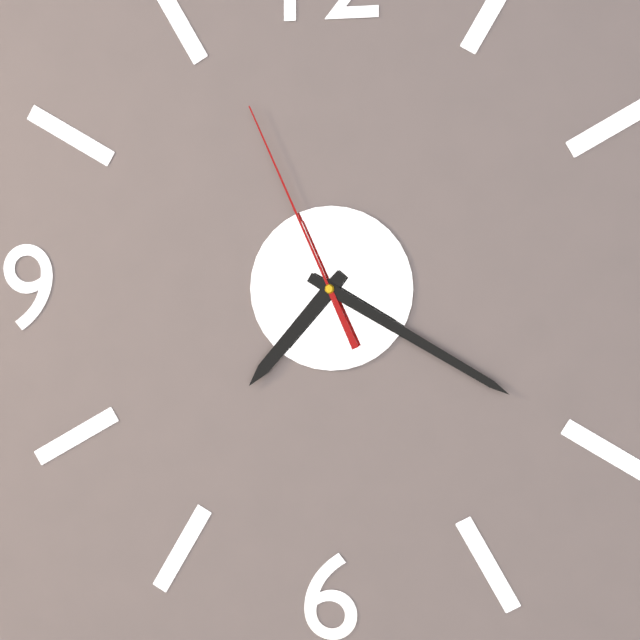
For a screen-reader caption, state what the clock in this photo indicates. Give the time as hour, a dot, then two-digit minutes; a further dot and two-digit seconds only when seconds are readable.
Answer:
7.20.56
